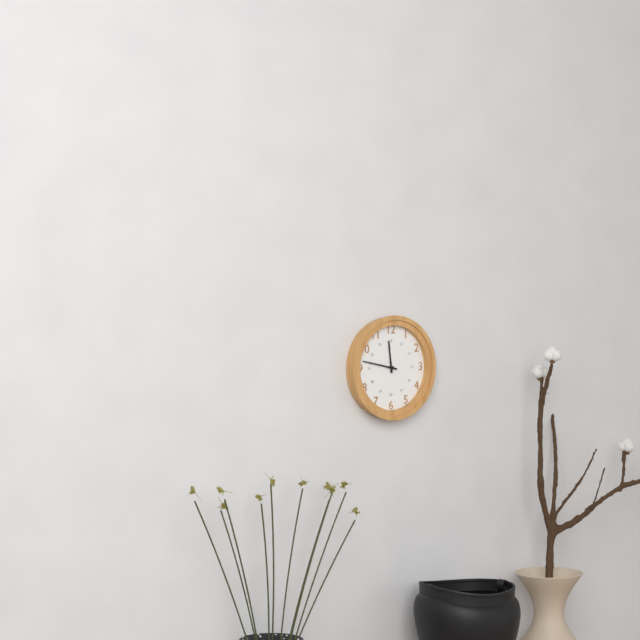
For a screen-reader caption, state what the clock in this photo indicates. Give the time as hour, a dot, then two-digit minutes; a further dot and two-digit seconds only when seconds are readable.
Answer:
11.47
